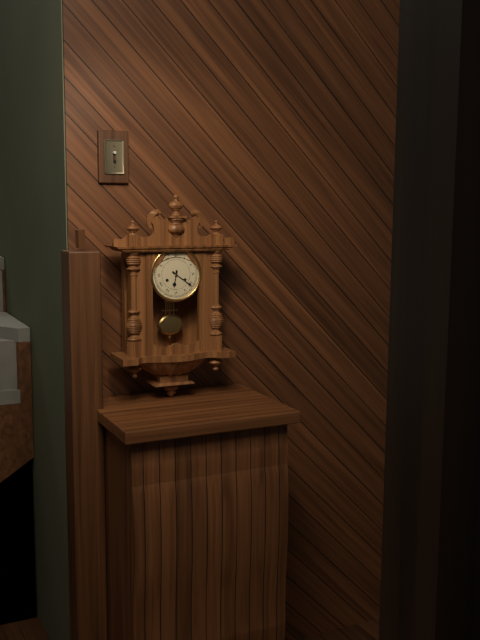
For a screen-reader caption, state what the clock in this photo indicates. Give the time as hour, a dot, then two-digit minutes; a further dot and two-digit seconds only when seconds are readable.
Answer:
6.21
